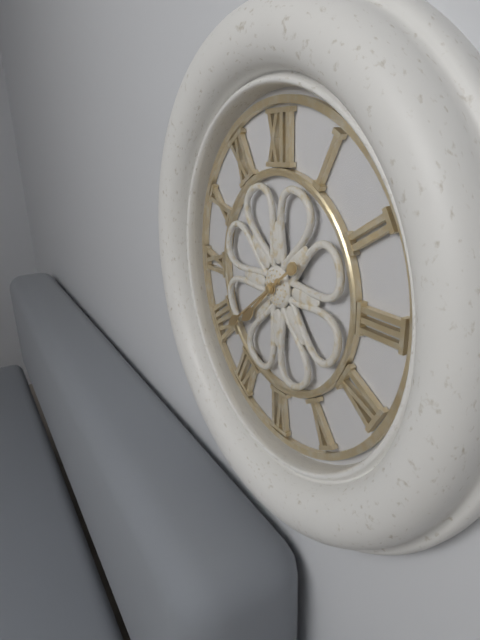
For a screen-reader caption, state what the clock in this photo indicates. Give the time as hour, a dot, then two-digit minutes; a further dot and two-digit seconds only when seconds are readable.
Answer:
7.39
